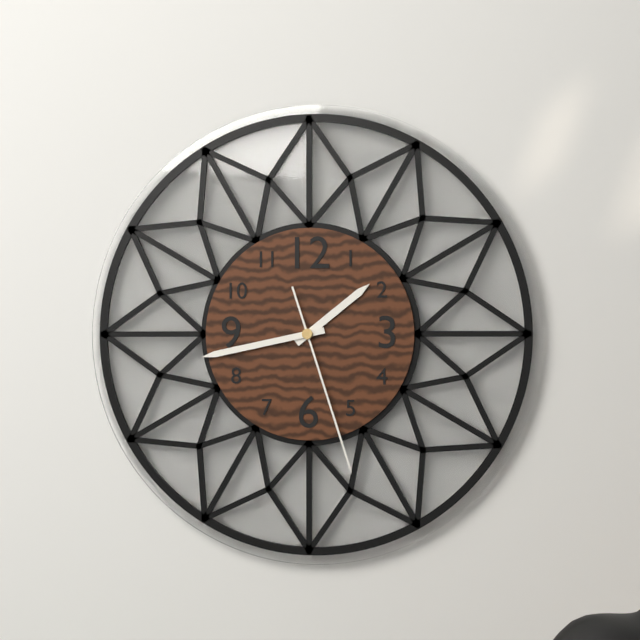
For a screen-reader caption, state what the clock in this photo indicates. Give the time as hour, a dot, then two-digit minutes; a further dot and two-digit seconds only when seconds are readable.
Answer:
1.43.27
